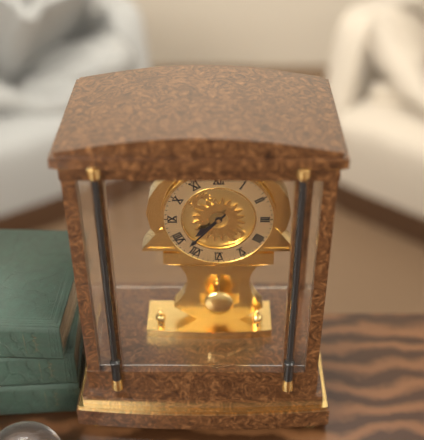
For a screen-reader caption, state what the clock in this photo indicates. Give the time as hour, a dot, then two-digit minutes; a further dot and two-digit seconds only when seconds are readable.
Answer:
7.37
